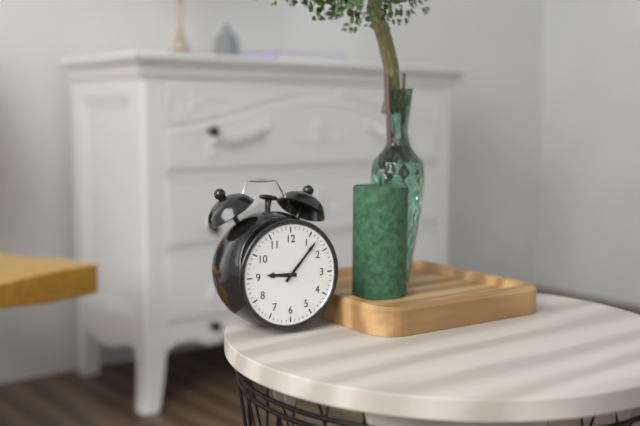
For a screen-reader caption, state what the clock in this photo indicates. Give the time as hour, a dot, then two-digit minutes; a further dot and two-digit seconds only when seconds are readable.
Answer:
9.07
